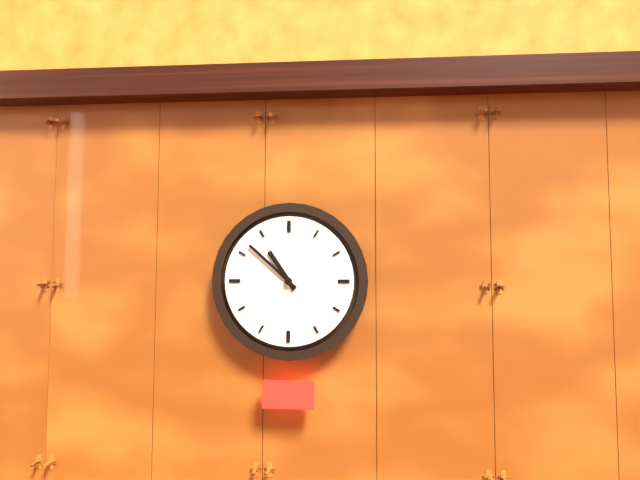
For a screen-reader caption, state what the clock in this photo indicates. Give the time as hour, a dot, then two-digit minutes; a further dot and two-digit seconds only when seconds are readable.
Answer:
10.52
